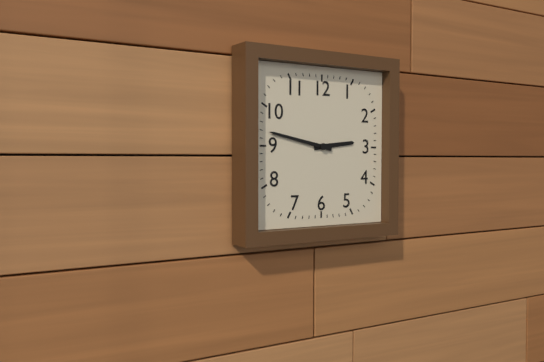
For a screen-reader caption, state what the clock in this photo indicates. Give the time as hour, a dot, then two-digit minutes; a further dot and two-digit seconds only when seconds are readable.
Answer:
2.47
